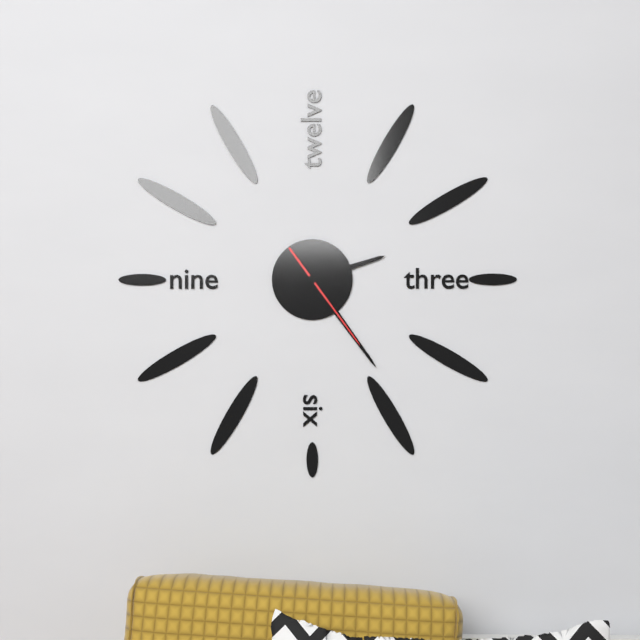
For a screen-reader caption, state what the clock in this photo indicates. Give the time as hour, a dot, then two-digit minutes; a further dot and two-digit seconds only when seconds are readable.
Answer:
2.24.24
